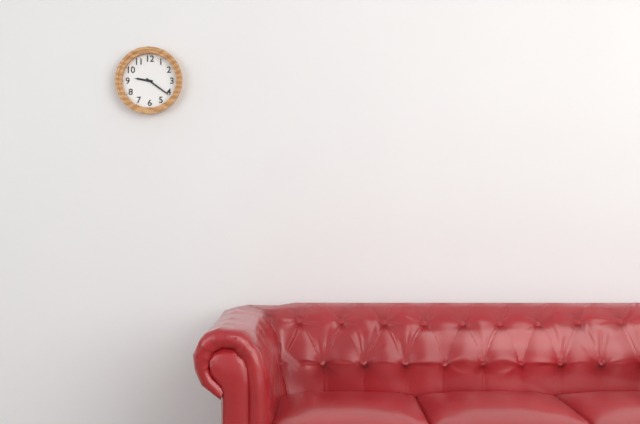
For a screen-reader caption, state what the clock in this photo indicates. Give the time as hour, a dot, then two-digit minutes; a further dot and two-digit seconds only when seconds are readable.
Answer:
9.21
